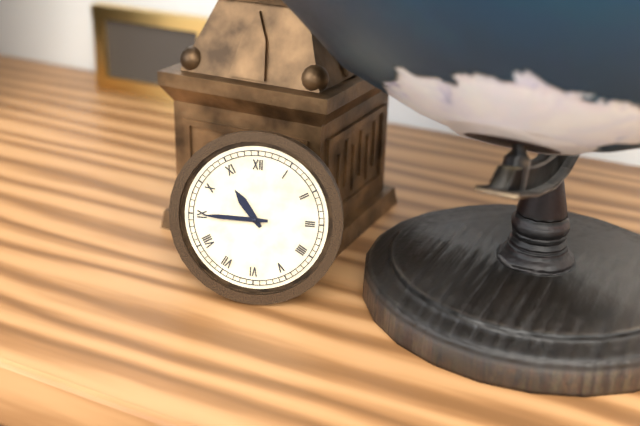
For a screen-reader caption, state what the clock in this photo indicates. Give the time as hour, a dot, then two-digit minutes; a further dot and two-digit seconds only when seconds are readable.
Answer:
10.45
